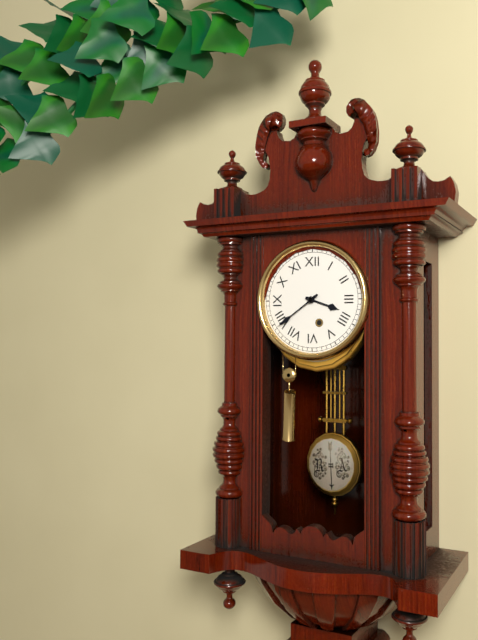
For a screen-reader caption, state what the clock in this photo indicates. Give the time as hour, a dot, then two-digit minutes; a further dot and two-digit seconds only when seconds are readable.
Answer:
3.39
